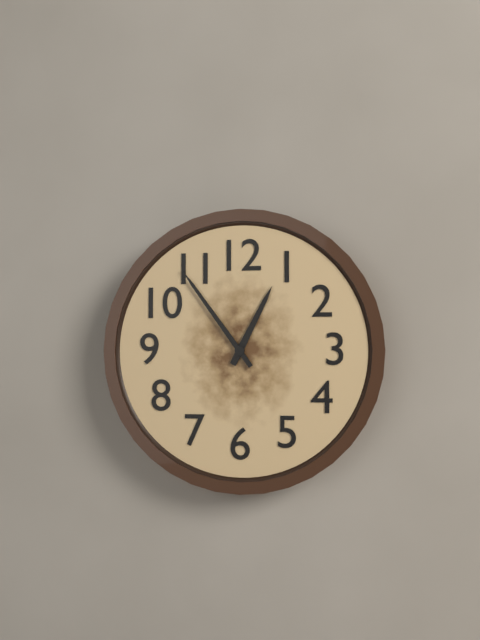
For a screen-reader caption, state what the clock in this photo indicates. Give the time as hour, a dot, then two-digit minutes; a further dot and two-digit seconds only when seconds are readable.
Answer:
12.54
